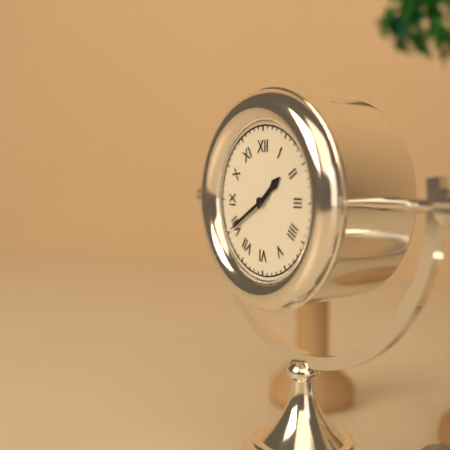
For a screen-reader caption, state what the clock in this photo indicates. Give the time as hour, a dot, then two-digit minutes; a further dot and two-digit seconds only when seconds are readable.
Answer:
1.40
